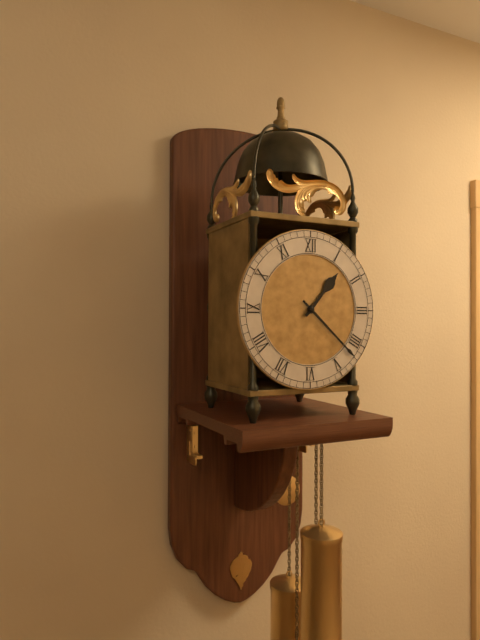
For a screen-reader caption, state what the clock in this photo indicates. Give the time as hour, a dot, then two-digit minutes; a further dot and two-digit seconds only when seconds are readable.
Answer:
1.22
